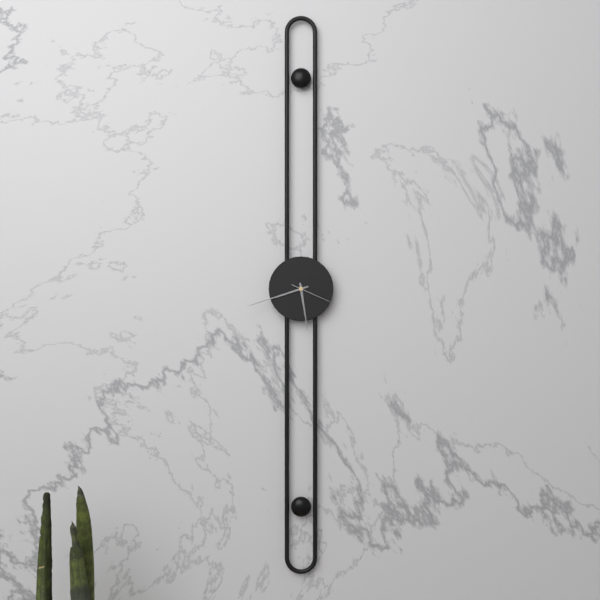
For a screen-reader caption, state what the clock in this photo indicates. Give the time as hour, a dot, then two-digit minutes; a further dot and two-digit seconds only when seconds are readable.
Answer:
5.42
